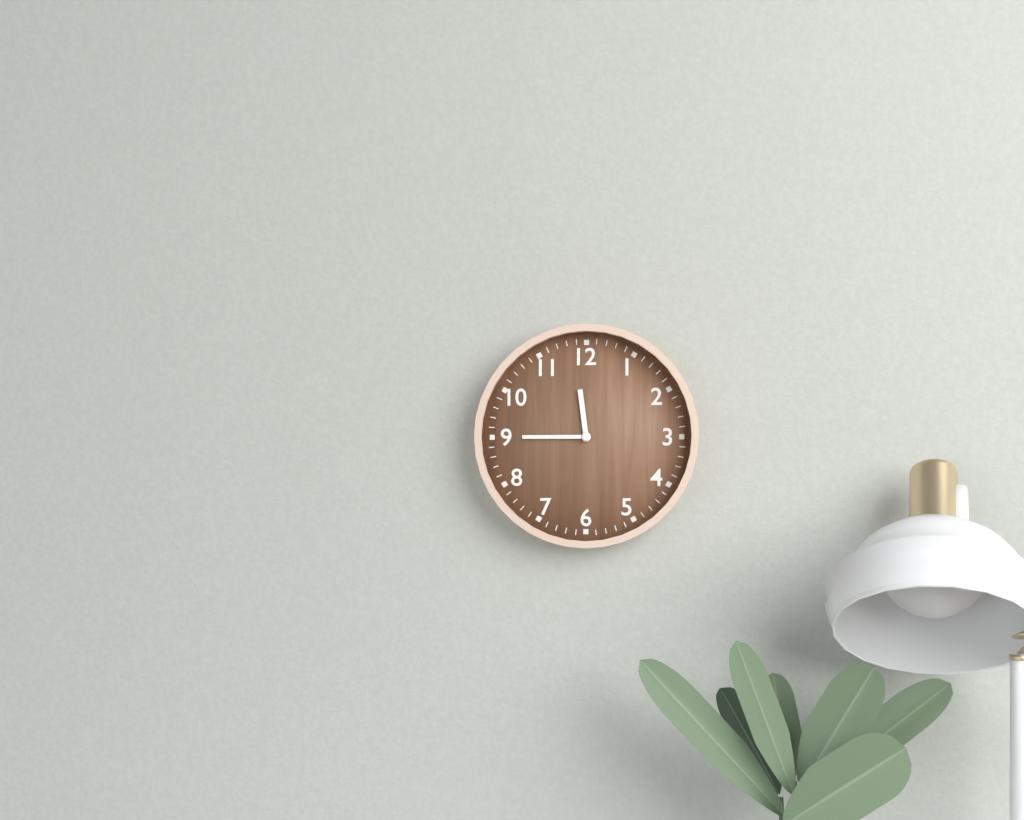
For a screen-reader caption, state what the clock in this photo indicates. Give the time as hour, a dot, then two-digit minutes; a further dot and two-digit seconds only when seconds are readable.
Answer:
11.45
